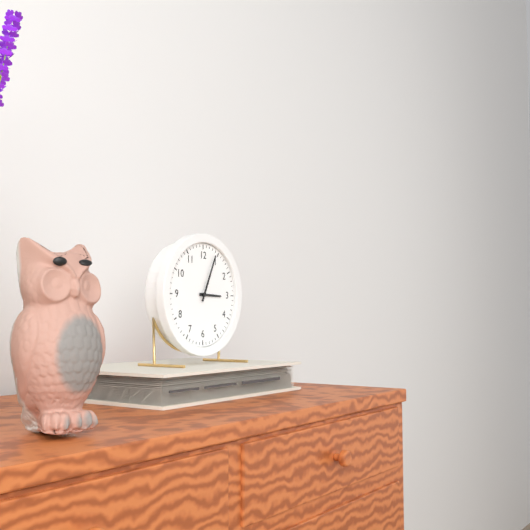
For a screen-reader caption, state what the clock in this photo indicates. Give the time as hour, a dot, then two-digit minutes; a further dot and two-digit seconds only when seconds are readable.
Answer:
3.04
